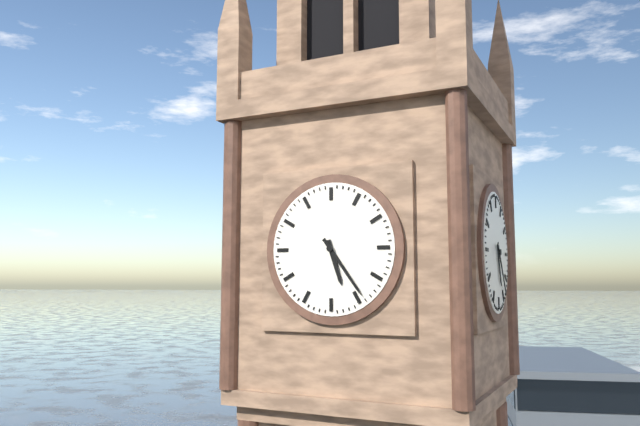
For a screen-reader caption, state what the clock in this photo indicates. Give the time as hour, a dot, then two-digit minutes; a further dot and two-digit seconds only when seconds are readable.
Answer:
5.24
